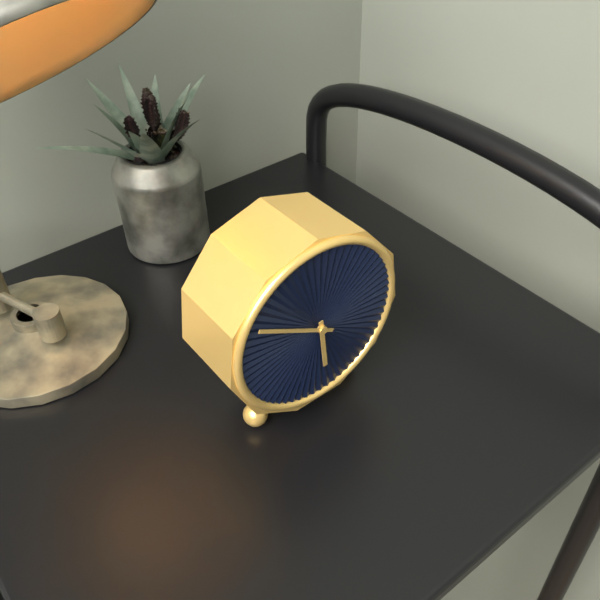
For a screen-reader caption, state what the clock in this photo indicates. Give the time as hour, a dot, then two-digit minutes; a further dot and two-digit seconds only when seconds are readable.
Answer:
5.50
